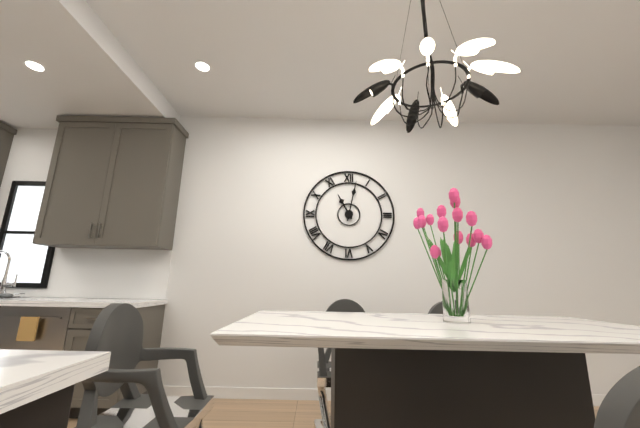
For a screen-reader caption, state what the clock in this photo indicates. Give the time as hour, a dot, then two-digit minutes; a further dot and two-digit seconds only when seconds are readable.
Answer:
11.02
